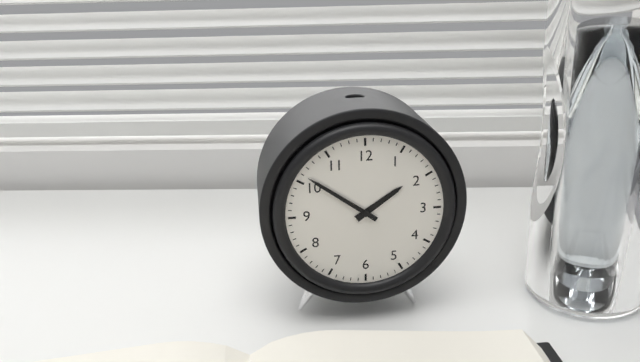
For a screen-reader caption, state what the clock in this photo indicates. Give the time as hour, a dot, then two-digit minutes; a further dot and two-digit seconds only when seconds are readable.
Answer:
1.51
